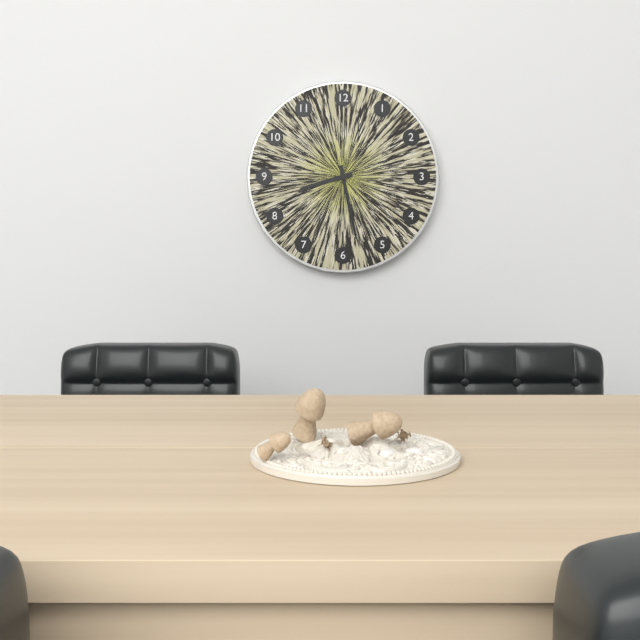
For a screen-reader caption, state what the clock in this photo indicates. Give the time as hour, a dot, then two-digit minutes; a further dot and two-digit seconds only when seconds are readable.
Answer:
8.28
